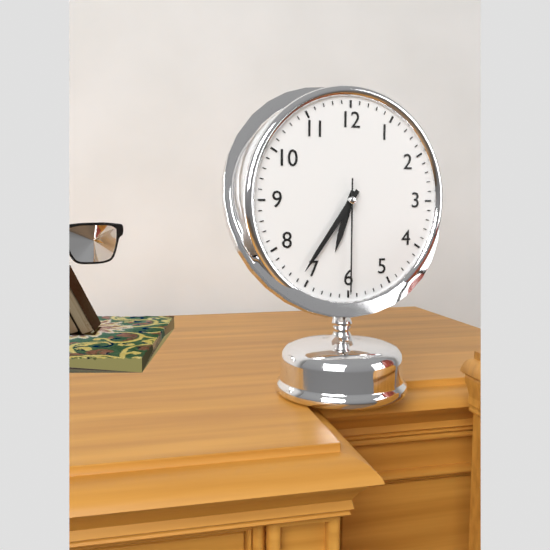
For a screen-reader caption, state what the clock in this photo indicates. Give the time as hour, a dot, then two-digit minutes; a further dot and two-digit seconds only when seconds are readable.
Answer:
6.36.30
